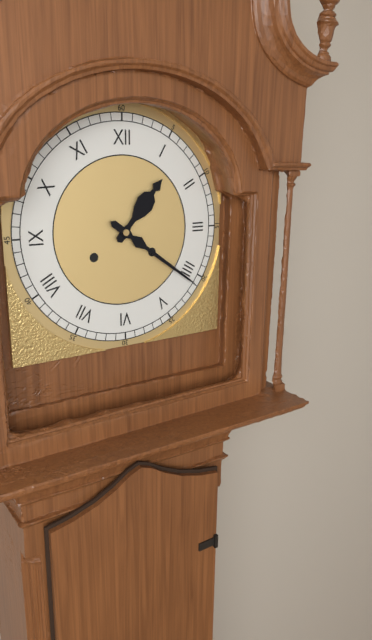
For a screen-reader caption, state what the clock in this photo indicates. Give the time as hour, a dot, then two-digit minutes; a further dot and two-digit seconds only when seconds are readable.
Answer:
1.21
